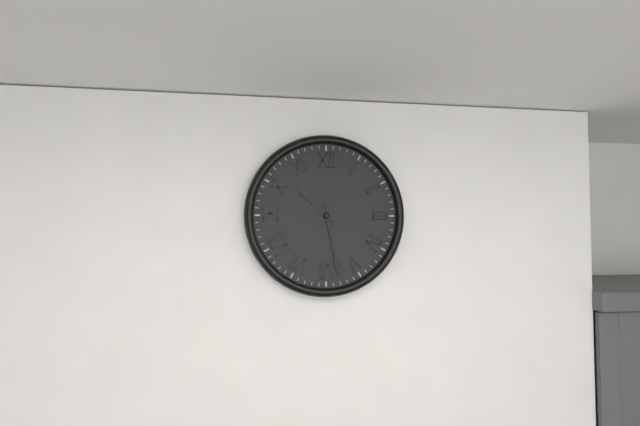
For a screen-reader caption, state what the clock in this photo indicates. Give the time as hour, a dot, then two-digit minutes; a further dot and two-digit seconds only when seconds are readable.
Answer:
10.28
